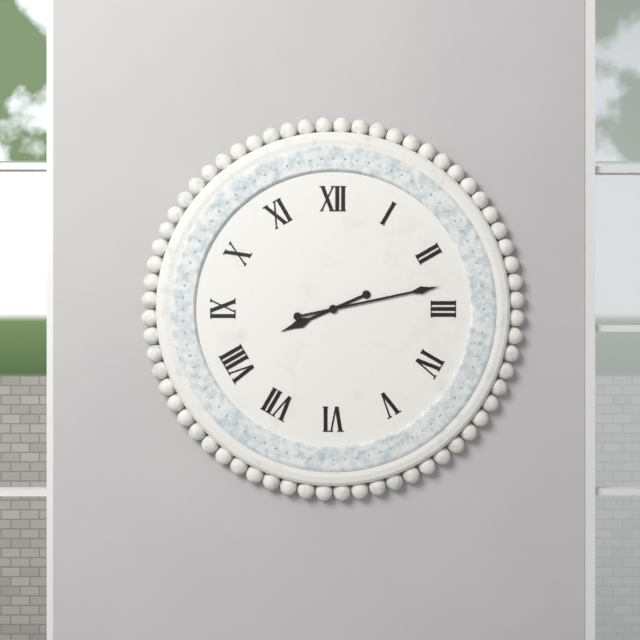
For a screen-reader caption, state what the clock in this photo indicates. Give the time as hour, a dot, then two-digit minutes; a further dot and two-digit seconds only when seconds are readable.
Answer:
8.13
